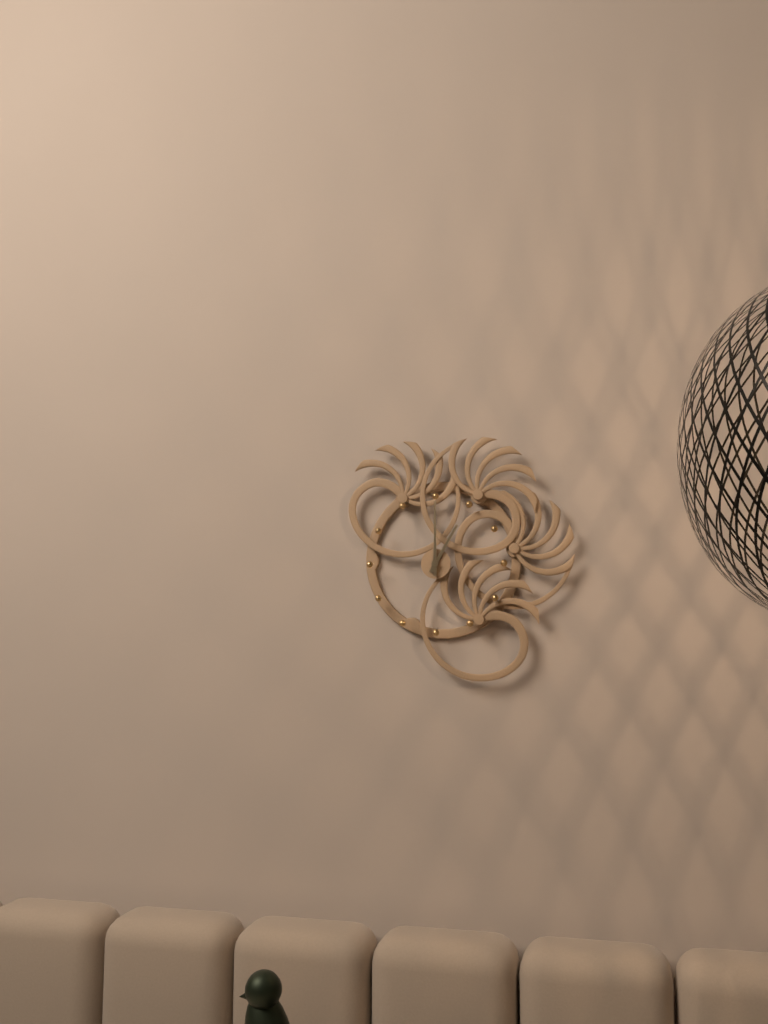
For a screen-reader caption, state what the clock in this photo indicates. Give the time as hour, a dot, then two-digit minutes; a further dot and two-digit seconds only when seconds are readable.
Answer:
1.00
